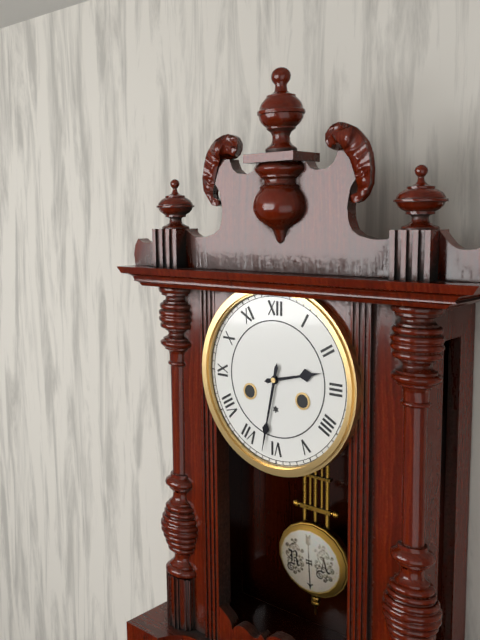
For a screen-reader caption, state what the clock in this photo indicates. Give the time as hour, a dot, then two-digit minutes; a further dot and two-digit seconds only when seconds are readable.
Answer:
2.32
